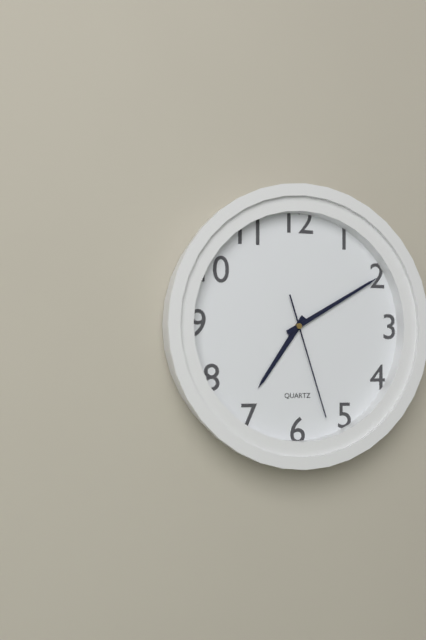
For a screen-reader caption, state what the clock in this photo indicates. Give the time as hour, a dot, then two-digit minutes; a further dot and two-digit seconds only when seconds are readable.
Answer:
7.10.27
